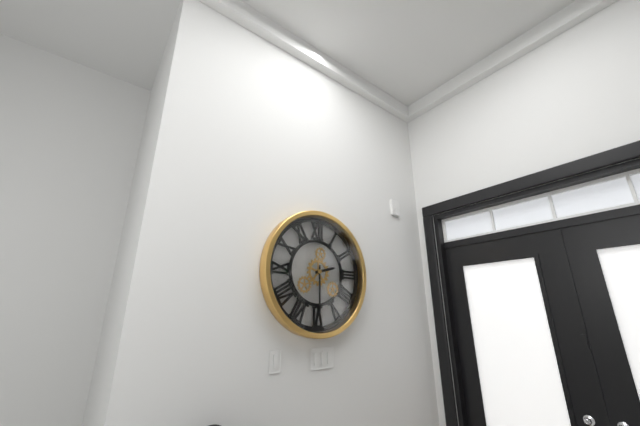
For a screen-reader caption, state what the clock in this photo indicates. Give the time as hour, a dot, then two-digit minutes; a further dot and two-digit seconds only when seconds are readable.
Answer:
2.30
